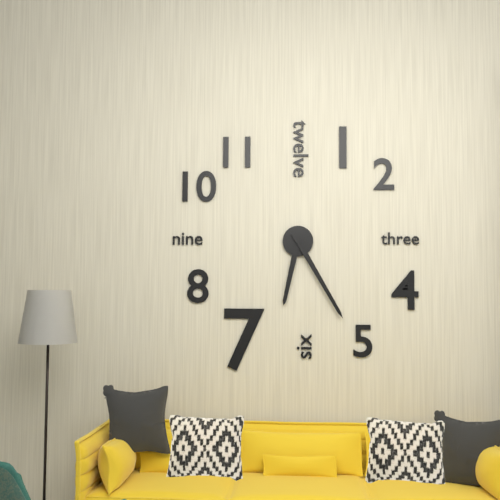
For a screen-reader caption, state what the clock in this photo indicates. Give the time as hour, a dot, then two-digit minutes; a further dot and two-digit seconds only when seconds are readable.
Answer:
6.25
